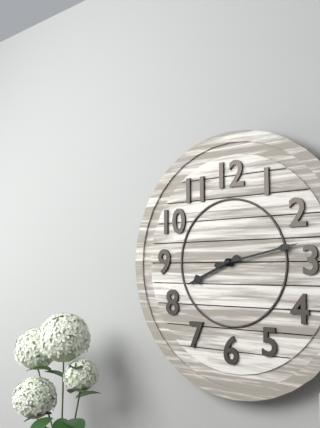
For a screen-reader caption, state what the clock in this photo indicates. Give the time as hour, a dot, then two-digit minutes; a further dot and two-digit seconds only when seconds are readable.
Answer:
8.13
